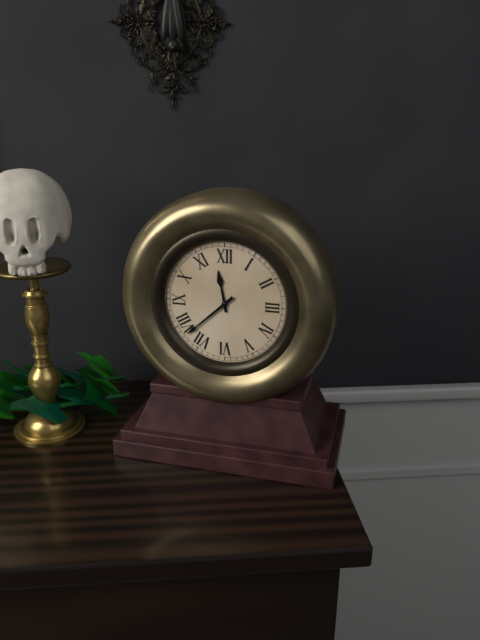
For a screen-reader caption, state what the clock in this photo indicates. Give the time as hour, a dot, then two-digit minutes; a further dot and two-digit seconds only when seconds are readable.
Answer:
11.38
